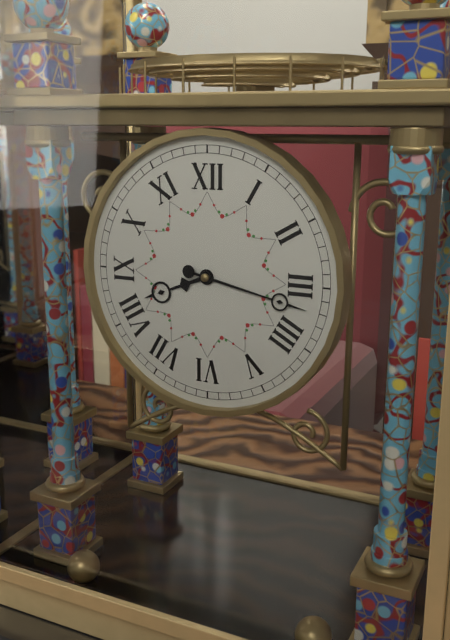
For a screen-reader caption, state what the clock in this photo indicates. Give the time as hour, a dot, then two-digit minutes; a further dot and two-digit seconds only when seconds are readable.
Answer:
8.17
